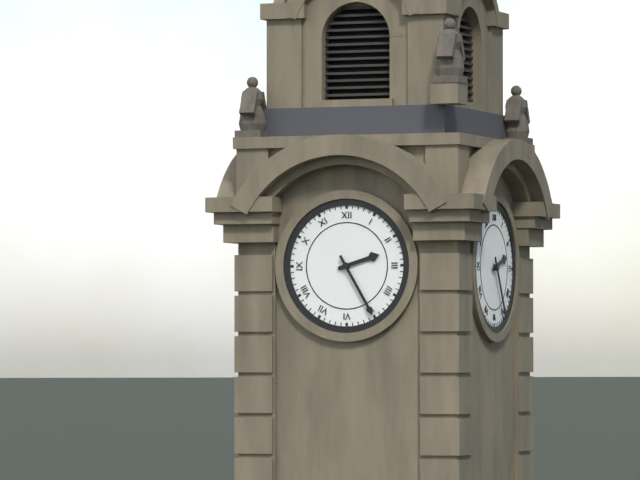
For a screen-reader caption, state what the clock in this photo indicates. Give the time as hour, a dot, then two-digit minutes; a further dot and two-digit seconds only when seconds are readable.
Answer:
2.25
